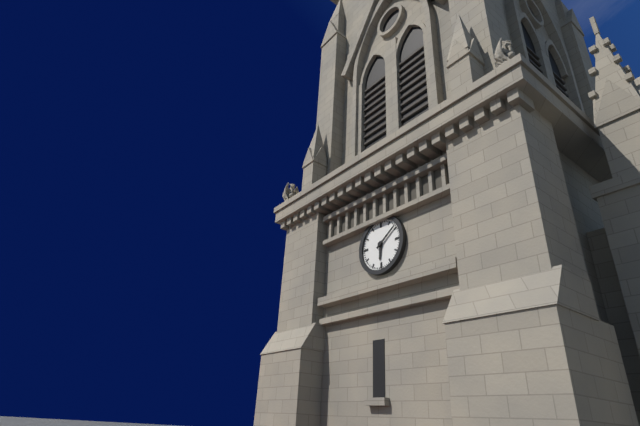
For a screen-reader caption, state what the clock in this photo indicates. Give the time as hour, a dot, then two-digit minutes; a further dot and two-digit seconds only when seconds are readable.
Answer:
6.09
